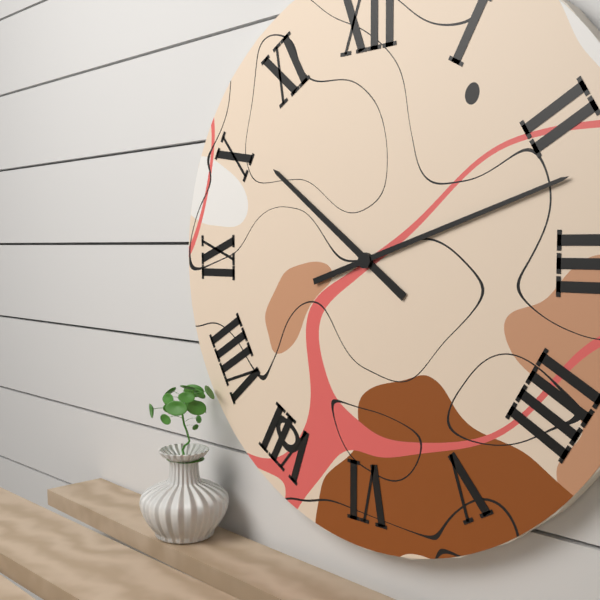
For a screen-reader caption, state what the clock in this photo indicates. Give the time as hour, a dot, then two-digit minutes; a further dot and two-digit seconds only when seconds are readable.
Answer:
10.12
